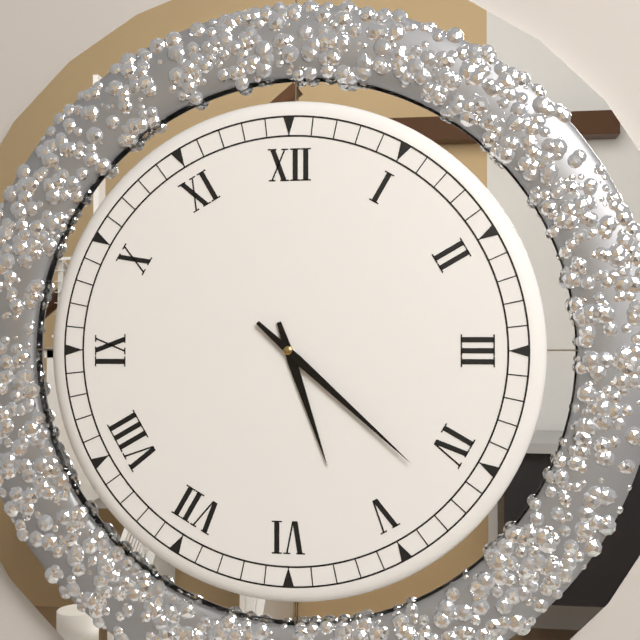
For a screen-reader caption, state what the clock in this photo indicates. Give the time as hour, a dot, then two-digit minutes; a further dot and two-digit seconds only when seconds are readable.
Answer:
5.22
